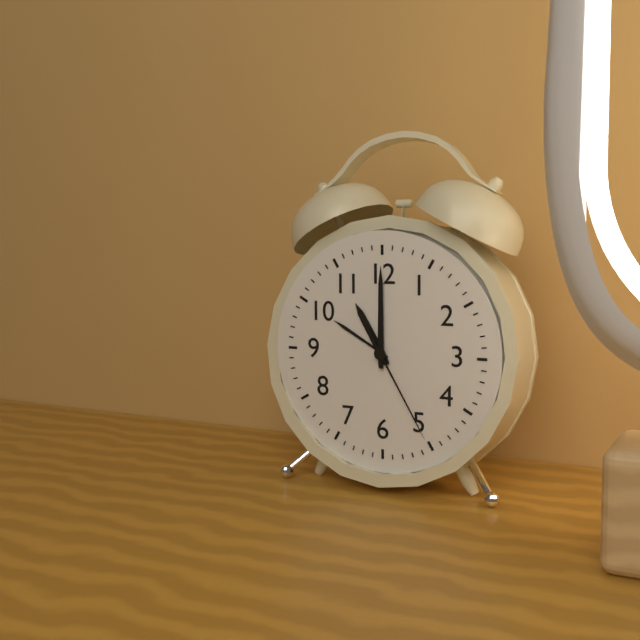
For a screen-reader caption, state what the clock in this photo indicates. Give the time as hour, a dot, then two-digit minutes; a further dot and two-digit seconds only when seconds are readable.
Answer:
11.00.25
